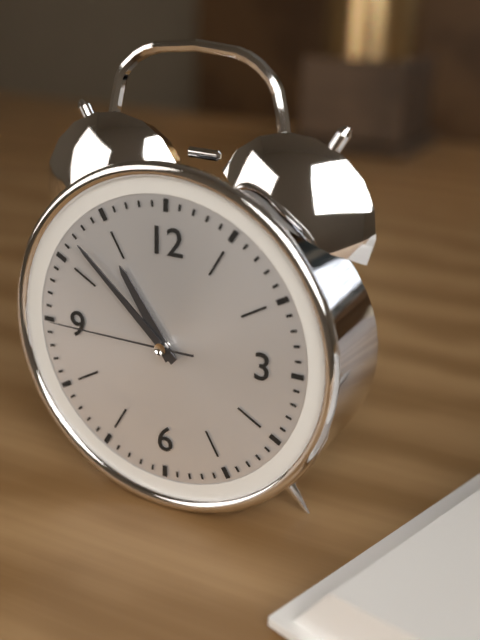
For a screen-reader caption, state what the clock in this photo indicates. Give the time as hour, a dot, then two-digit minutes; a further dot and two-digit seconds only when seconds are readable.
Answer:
10.52.45
